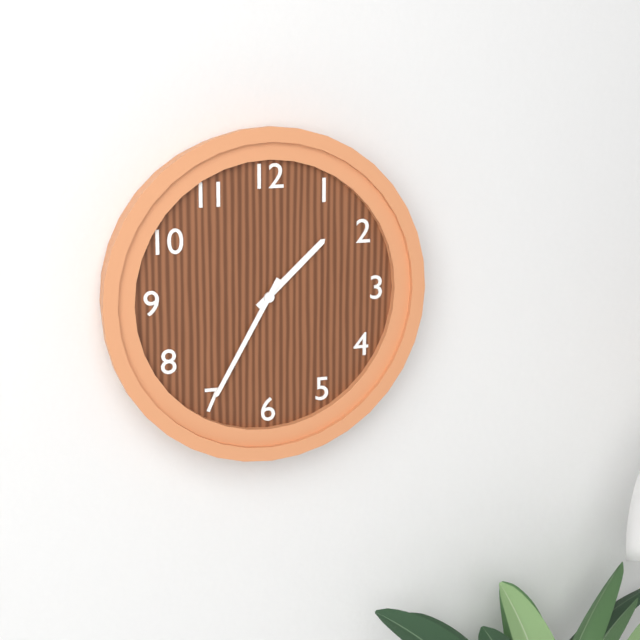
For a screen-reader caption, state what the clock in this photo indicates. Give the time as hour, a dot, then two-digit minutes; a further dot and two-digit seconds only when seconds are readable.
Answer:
1.35
